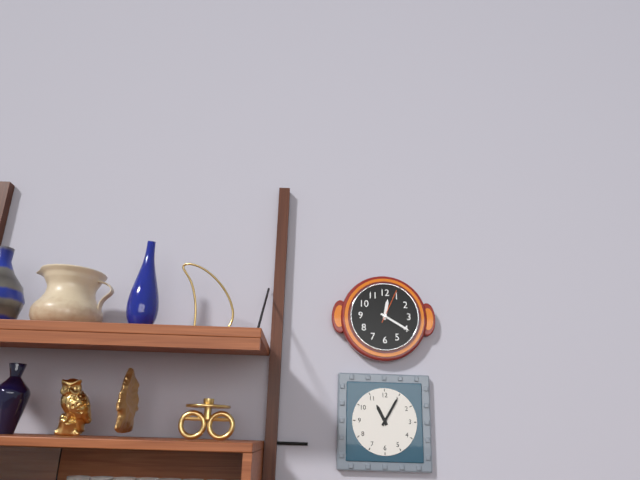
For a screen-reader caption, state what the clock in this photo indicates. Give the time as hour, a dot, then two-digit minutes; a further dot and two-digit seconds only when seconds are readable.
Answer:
12.20
